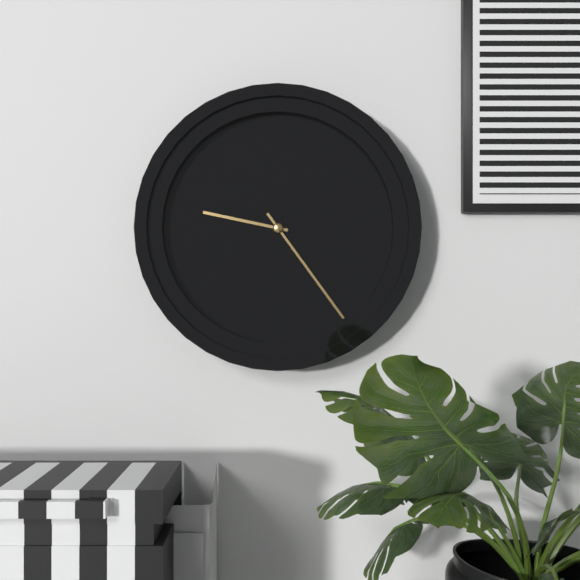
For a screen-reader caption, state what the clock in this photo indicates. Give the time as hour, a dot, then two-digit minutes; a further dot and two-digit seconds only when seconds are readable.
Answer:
9.24
